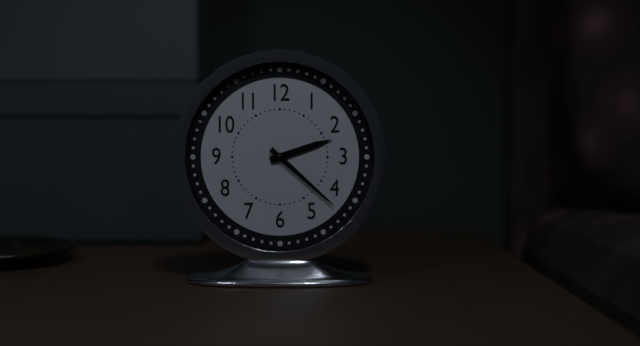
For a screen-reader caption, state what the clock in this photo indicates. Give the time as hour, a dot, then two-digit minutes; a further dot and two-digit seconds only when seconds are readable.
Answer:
2.22
